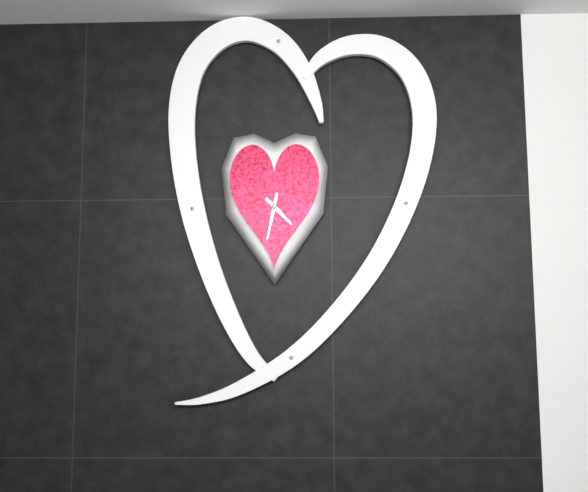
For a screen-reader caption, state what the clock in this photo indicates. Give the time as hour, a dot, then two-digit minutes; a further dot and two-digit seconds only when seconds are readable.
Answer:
4.32
